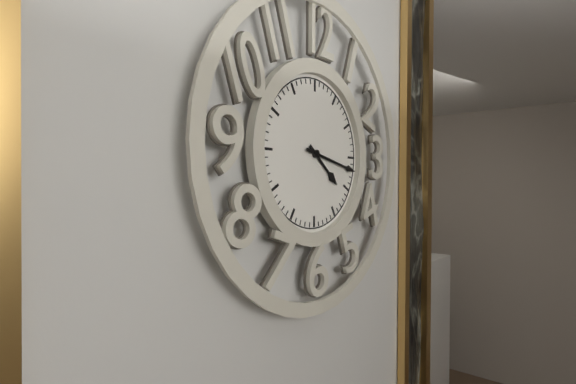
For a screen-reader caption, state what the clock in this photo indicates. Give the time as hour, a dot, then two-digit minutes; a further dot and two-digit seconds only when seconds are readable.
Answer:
4.17
